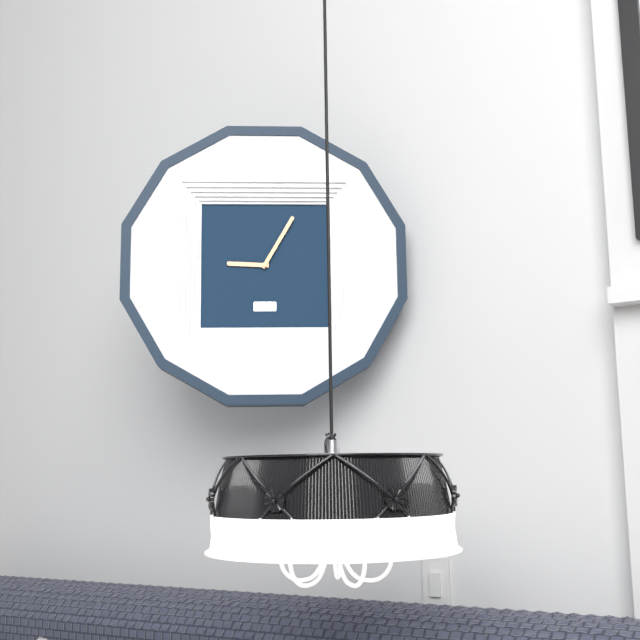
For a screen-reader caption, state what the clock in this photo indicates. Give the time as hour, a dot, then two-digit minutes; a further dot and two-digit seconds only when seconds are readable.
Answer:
9.05
